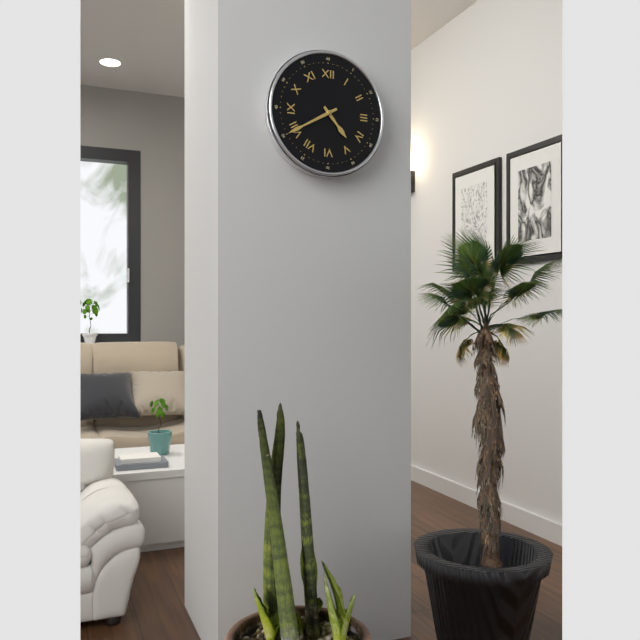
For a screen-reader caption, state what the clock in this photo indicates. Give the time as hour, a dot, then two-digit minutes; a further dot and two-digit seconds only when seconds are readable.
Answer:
4.40
